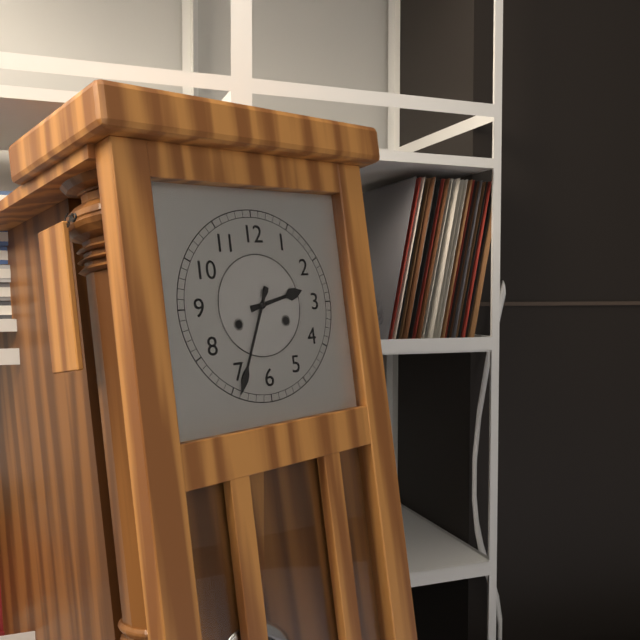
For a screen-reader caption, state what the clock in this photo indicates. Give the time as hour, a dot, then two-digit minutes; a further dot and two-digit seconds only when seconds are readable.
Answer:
2.34
